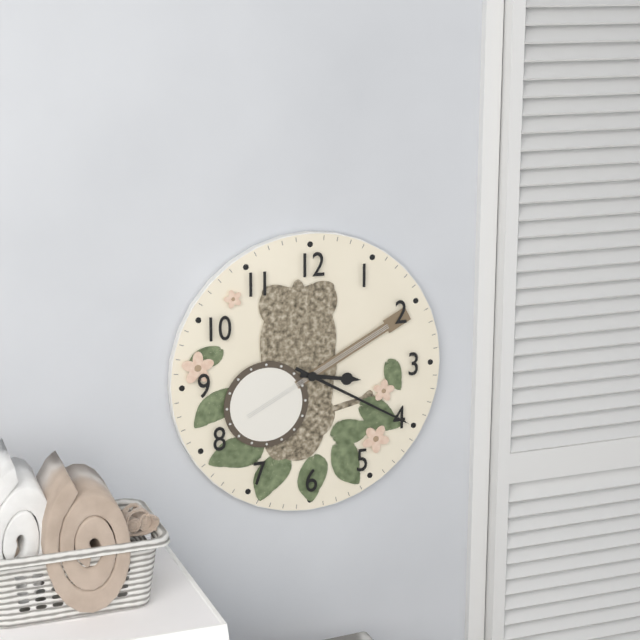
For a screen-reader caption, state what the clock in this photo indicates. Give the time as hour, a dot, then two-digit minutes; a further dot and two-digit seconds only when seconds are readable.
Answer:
3.20
